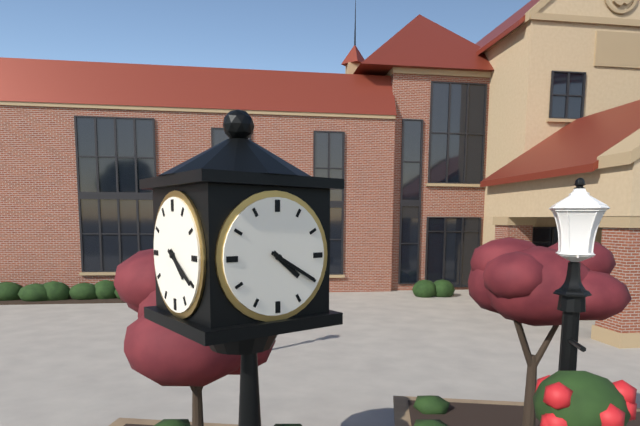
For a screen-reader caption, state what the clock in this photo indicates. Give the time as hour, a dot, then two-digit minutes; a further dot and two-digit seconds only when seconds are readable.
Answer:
4.20
